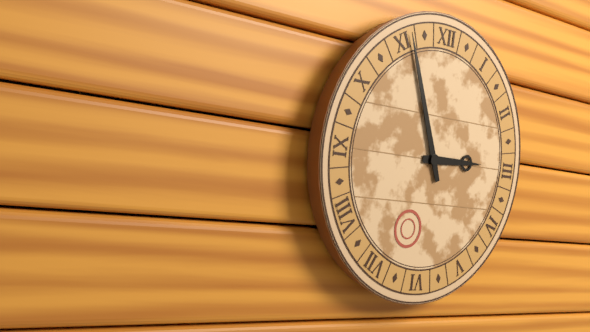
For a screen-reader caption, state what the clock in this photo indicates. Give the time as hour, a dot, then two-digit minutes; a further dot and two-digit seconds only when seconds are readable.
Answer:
2.56
